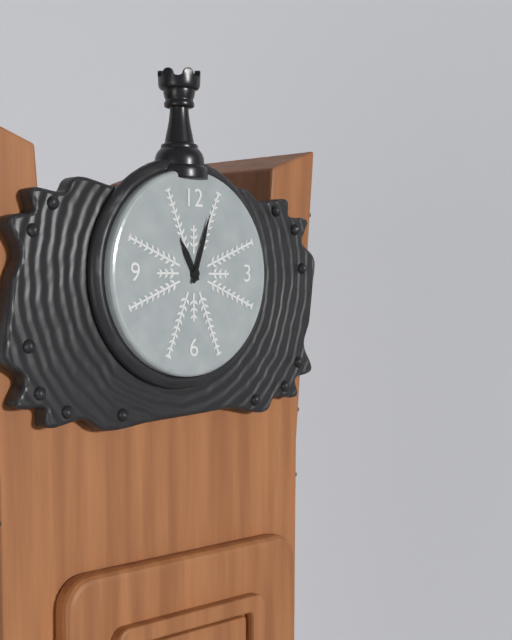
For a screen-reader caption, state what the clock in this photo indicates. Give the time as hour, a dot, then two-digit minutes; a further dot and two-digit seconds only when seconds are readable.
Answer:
11.03
